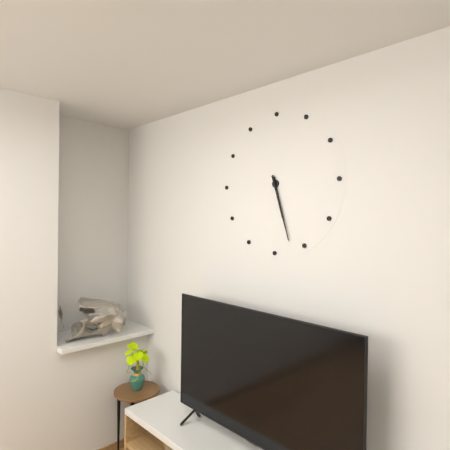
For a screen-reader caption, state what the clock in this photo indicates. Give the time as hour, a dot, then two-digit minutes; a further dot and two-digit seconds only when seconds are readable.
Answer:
5.27
